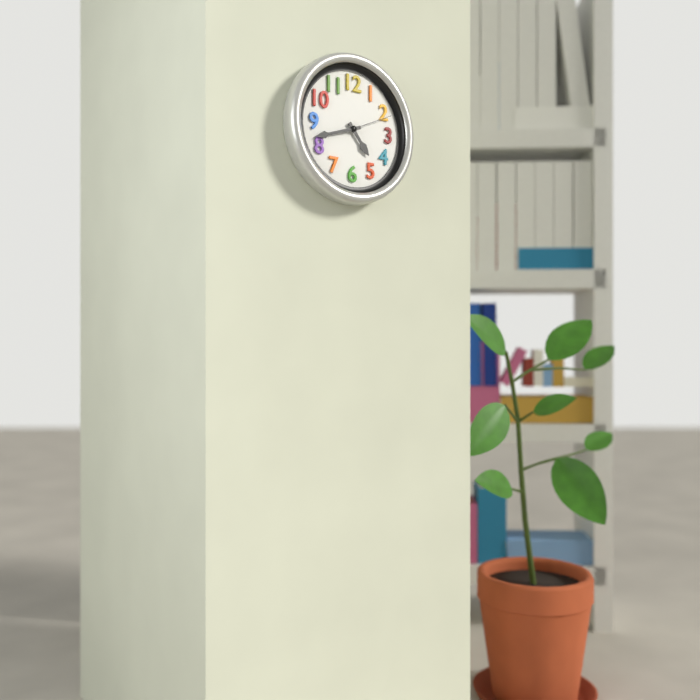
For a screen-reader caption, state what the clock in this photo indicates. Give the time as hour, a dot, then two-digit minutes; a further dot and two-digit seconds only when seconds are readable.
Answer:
4.42
